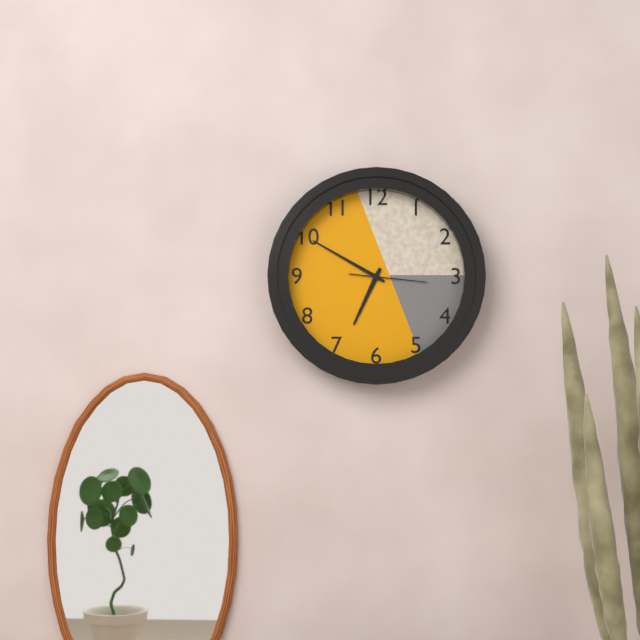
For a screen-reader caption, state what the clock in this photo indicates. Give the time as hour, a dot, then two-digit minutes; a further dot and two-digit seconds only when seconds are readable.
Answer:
6.50.16
